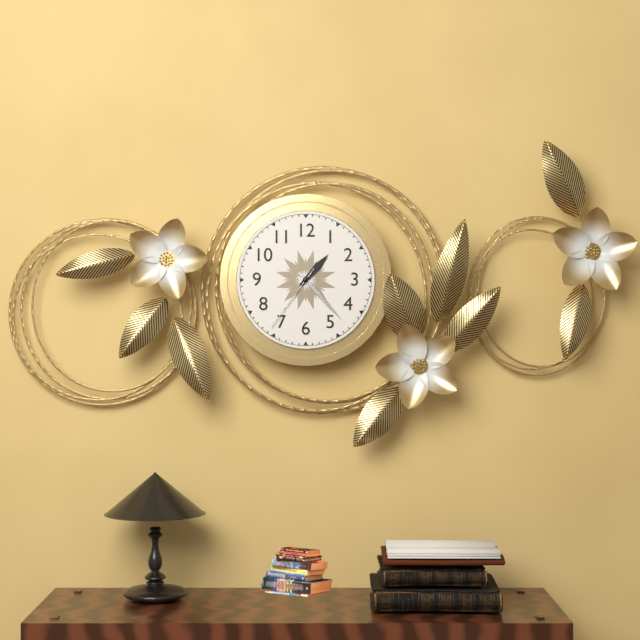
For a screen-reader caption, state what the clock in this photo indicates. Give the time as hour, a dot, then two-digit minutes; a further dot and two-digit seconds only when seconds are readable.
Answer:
1.23.36
